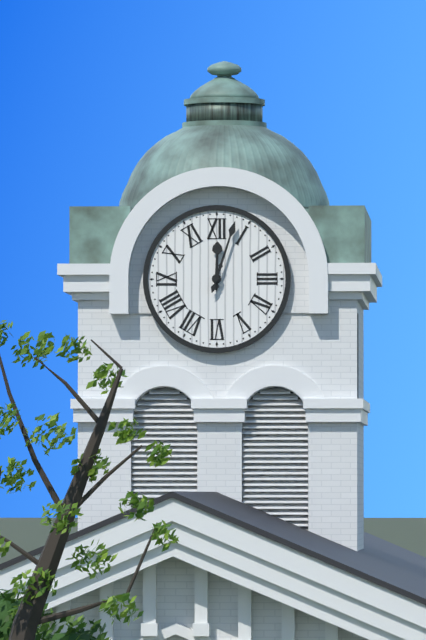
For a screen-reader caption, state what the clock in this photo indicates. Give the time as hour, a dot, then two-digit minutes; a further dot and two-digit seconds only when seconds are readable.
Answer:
12.03
